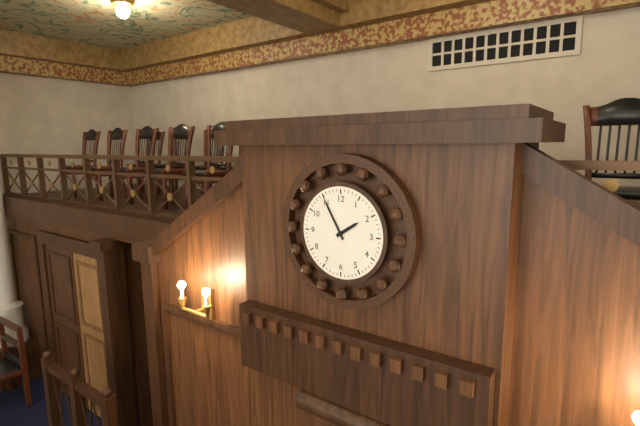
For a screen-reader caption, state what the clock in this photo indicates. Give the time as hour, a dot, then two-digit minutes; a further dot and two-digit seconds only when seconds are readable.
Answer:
1.55
